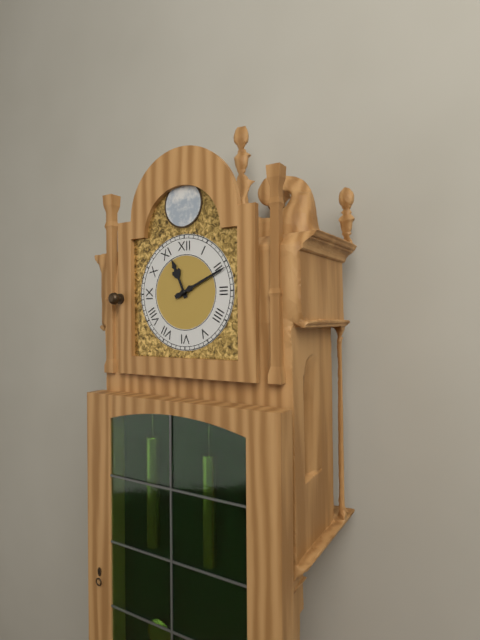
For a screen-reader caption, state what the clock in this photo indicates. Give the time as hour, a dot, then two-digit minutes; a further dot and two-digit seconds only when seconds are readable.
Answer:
11.11
